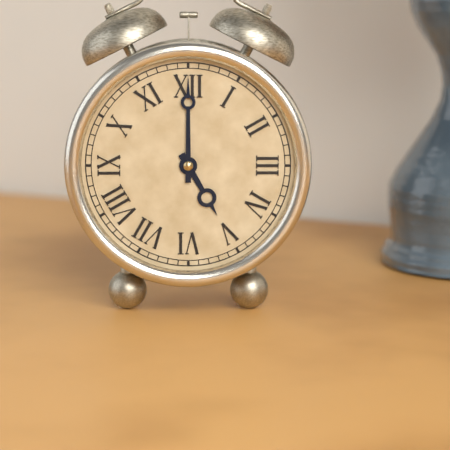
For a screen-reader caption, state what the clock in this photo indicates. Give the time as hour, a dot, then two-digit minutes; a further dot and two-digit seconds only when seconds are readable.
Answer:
5.00
